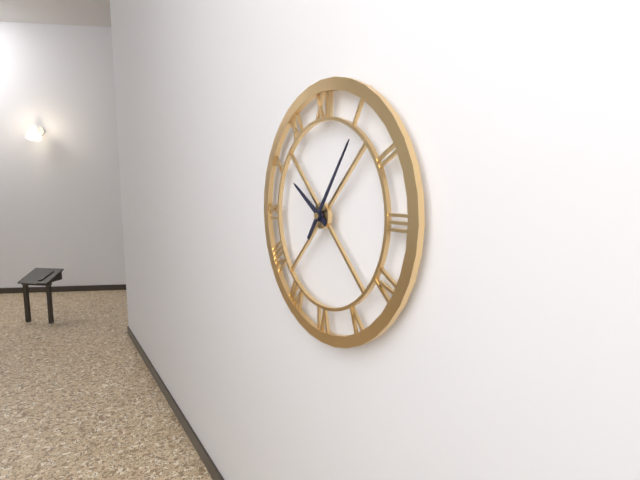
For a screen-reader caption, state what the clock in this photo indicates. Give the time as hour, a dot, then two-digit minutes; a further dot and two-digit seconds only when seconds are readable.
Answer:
10.06
